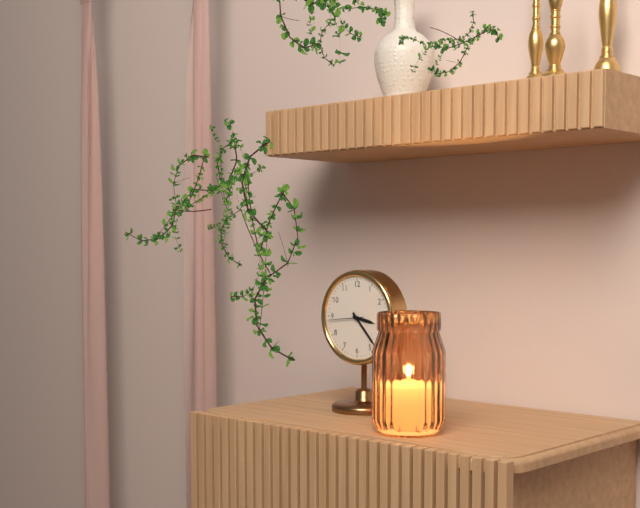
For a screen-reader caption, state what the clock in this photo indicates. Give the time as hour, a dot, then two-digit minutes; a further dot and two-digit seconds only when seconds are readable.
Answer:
3.23
